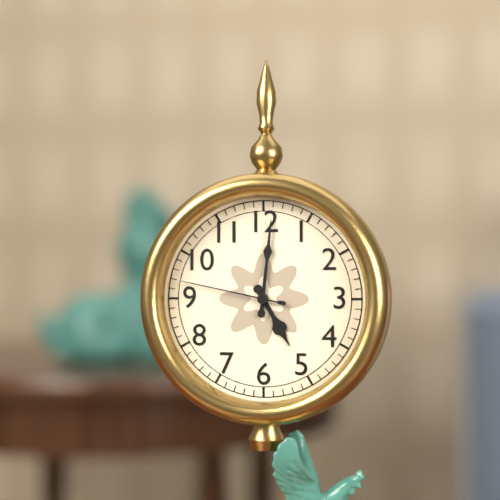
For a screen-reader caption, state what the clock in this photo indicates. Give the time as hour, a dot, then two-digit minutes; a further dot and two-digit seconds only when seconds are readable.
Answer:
5.01.47
